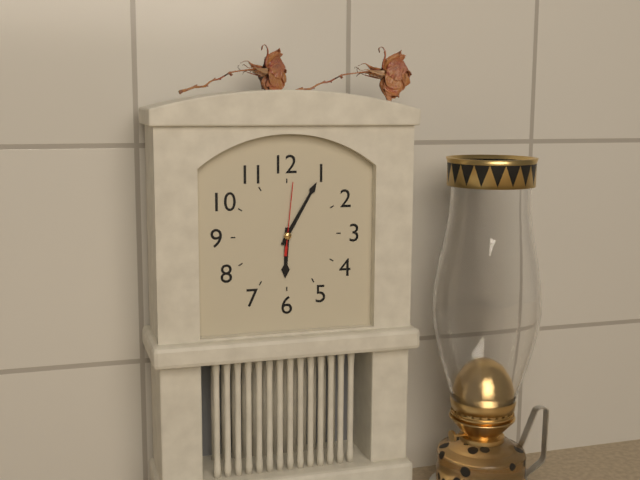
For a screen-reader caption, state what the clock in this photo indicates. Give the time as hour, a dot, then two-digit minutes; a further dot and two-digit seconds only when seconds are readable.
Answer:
6.05.01
